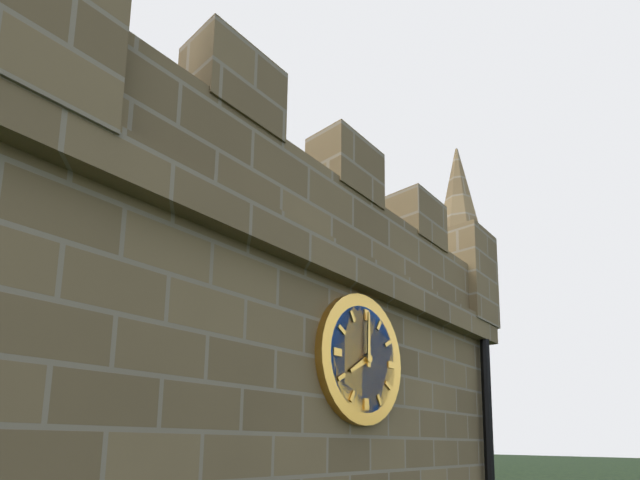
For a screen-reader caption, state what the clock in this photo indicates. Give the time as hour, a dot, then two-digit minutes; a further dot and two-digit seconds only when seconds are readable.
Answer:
8.00
